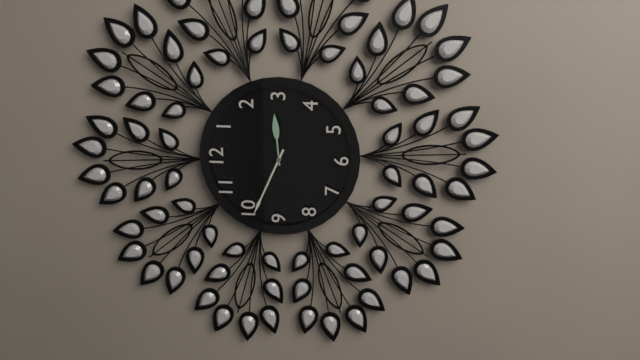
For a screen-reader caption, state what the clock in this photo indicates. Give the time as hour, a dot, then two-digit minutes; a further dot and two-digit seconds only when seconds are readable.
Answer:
2.49
